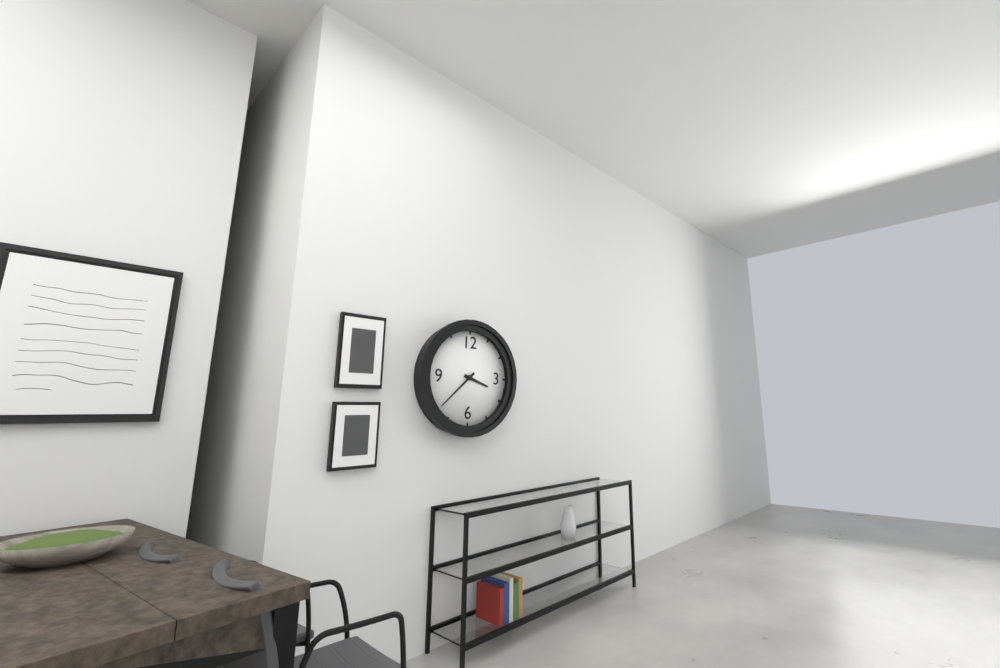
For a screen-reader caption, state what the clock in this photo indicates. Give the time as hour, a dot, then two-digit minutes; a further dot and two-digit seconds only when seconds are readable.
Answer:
3.38
